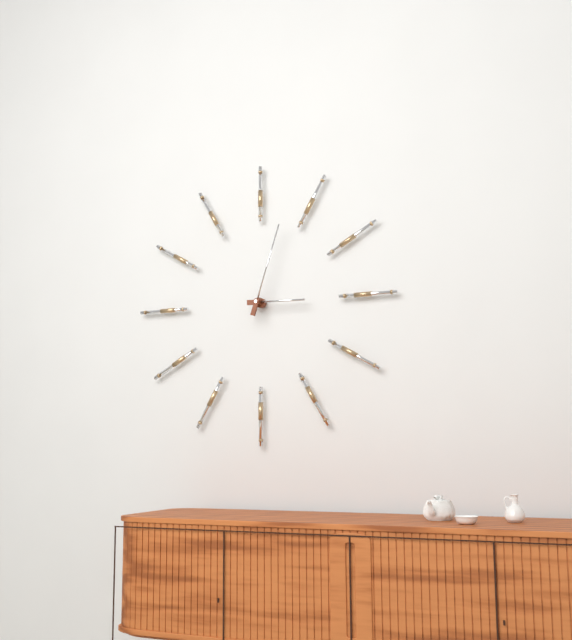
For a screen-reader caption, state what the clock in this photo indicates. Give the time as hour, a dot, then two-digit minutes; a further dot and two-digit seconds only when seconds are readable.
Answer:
3.03
